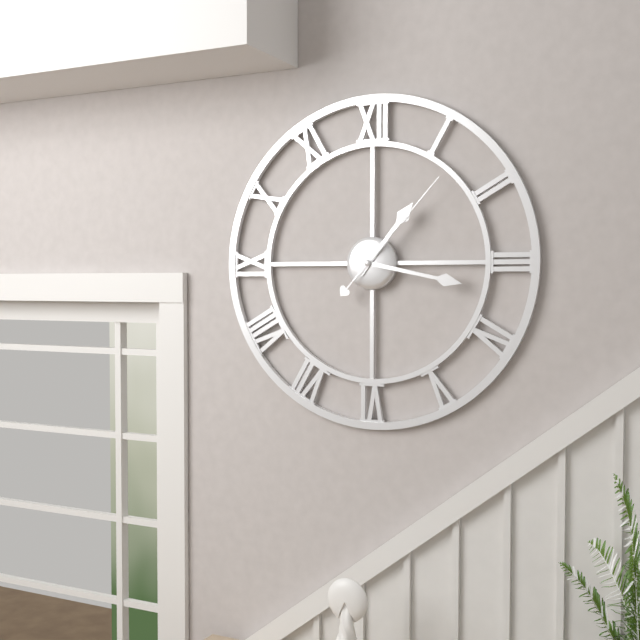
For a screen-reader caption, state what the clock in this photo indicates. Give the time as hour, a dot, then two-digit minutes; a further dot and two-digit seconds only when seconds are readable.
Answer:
1.17.07
